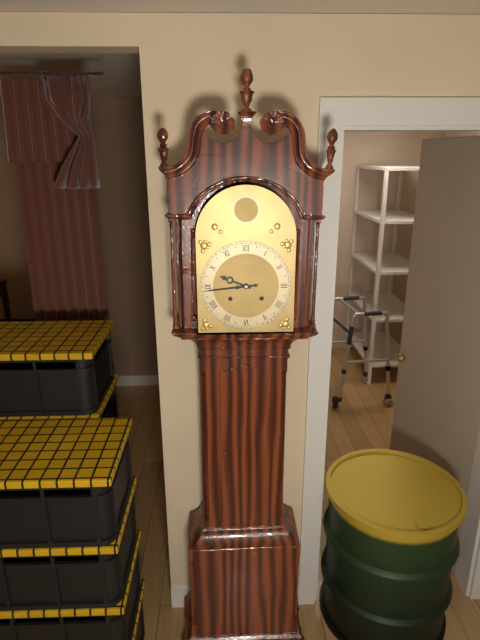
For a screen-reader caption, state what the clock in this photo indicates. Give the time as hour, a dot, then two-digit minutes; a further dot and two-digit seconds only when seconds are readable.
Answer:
9.44
